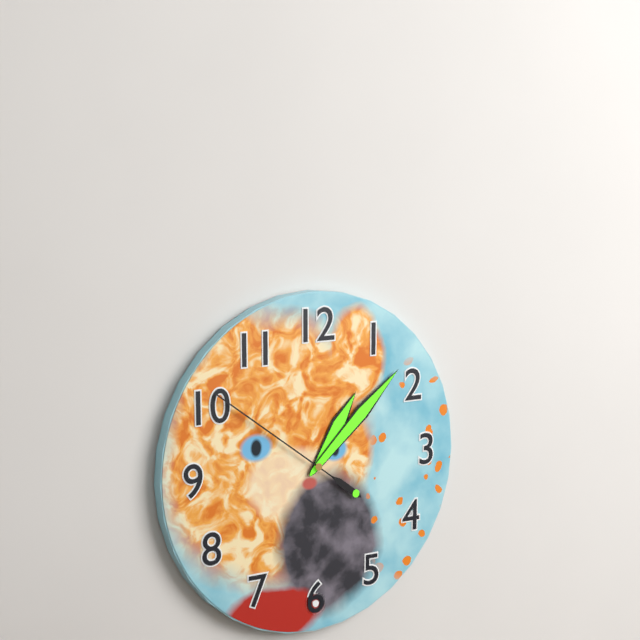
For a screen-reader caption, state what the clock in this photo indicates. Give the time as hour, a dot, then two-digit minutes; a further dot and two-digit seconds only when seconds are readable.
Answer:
1.08.51
